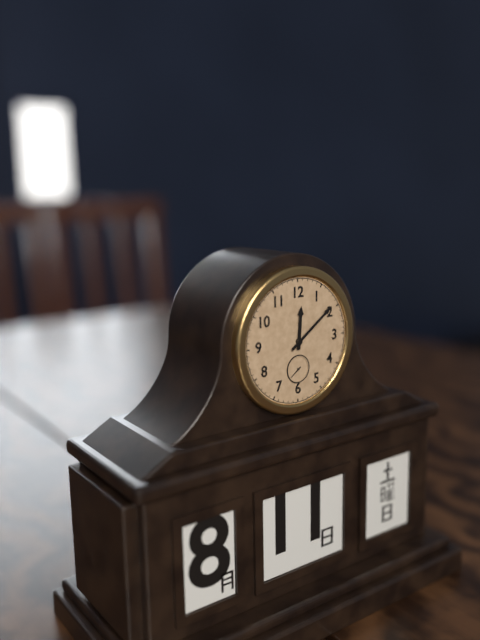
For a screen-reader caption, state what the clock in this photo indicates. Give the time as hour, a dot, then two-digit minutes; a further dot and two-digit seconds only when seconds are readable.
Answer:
12.09
